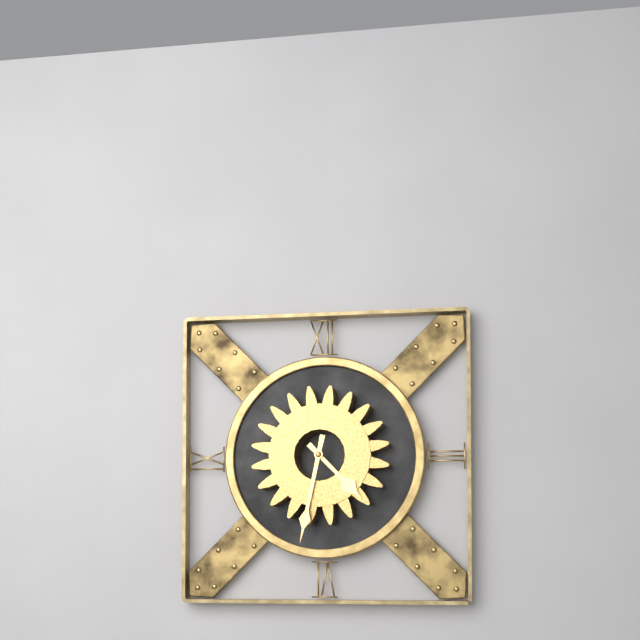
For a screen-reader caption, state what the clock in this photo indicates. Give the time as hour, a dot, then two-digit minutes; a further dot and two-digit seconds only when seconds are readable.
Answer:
4.32
